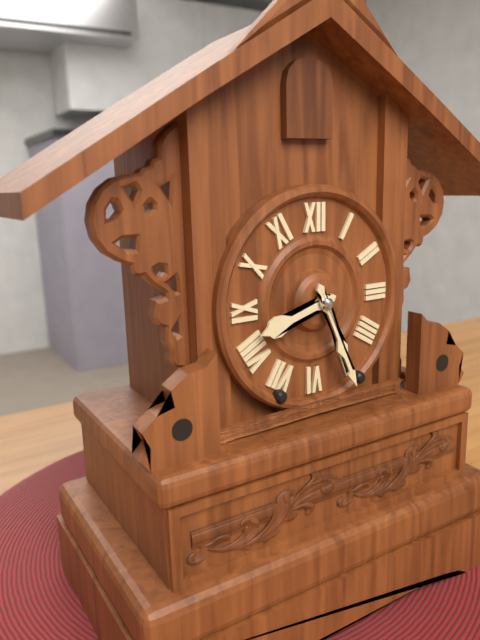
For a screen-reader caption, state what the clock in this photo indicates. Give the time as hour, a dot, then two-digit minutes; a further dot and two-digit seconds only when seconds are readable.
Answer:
8.26
